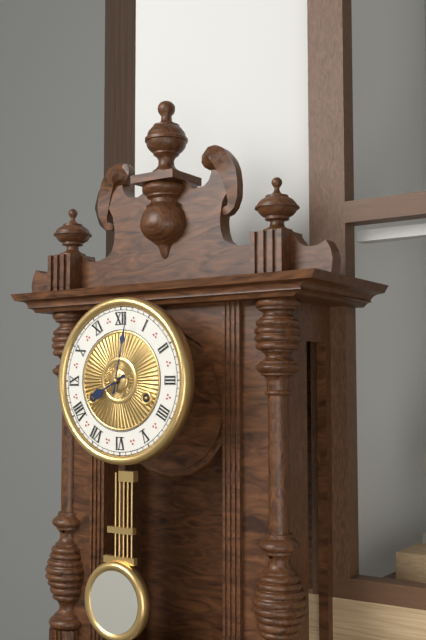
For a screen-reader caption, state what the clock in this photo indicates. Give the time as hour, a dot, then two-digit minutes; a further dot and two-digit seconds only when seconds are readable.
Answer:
8.02
